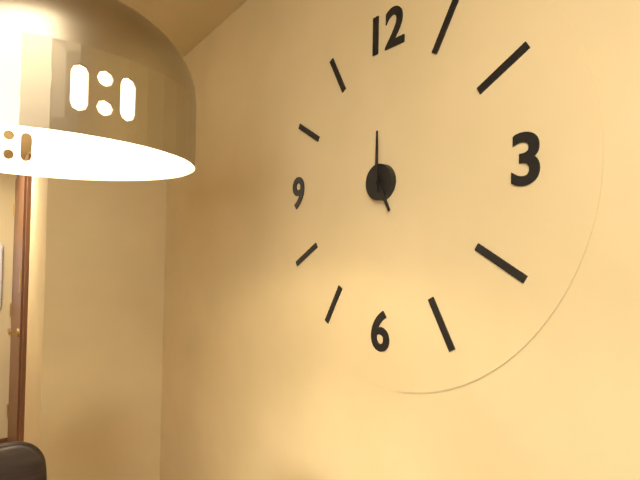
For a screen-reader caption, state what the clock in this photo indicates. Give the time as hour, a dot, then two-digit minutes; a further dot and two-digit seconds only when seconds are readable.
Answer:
5.00
